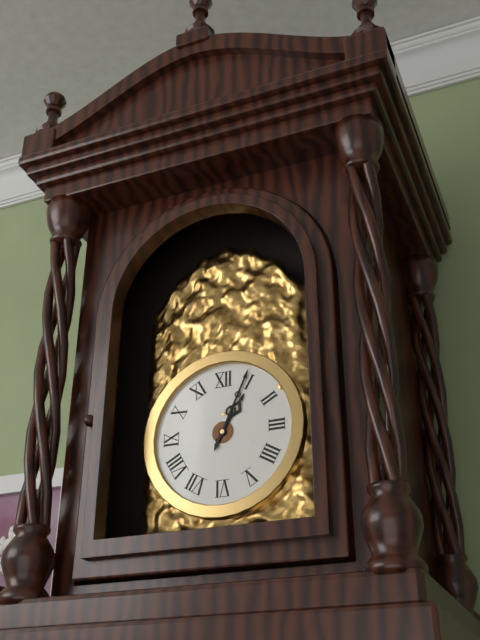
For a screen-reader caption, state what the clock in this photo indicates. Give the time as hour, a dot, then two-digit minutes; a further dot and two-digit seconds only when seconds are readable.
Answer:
1.04
